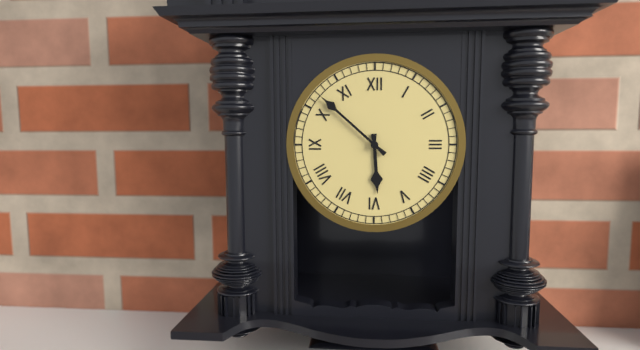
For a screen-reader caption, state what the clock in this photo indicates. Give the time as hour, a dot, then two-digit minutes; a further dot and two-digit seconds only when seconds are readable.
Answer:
5.52
